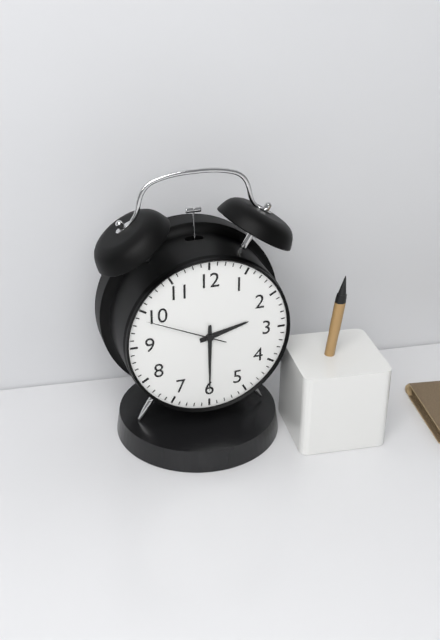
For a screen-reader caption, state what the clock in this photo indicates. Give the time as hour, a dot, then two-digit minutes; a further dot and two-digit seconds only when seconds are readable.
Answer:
2.30.49
